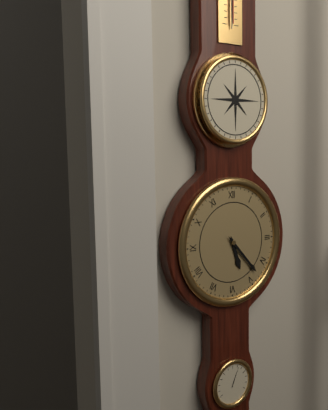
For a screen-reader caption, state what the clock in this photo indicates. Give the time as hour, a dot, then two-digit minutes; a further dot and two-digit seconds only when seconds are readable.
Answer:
5.23
